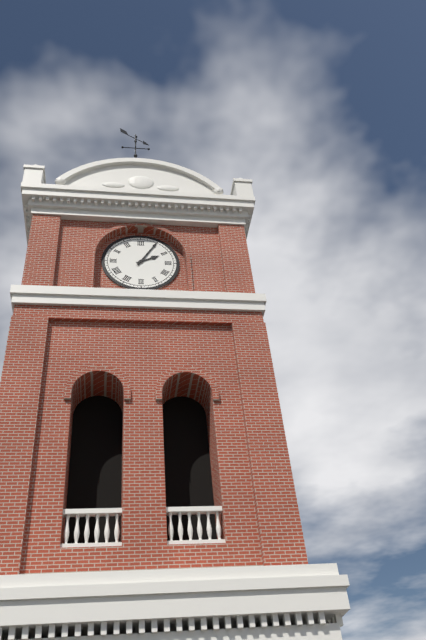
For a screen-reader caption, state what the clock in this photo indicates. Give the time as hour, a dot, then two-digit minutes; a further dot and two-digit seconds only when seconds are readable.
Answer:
2.05
